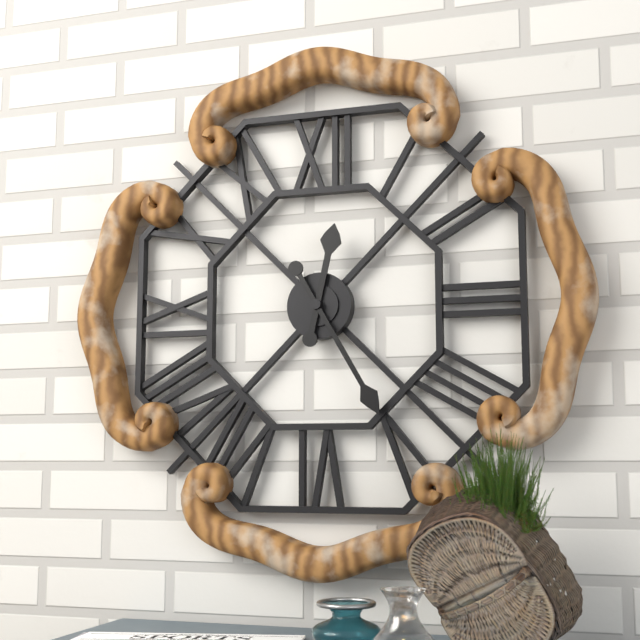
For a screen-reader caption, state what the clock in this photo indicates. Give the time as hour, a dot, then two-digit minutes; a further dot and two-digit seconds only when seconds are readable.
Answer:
12.25
